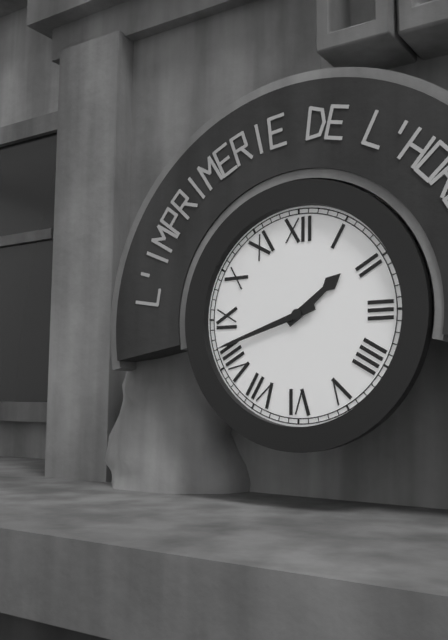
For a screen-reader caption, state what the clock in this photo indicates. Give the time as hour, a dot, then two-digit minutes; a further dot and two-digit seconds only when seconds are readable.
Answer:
1.42
